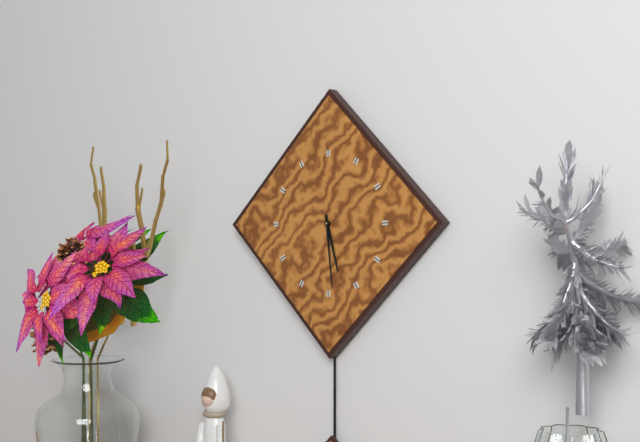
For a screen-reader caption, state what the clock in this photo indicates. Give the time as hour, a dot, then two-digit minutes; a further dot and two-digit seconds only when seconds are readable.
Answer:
5.29
